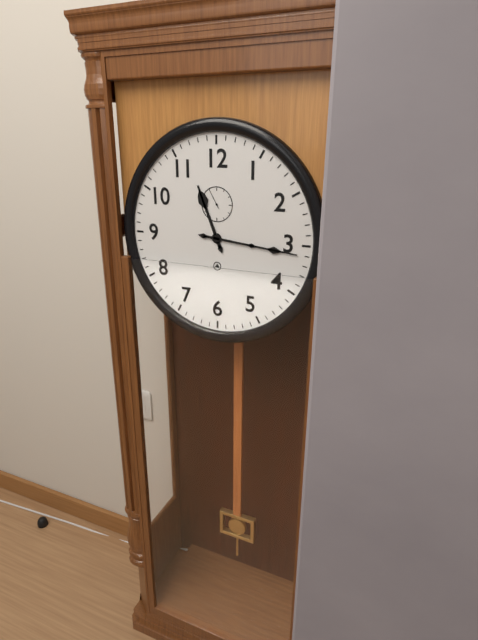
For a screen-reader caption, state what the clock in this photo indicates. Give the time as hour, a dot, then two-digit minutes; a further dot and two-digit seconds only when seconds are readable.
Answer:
11.16
